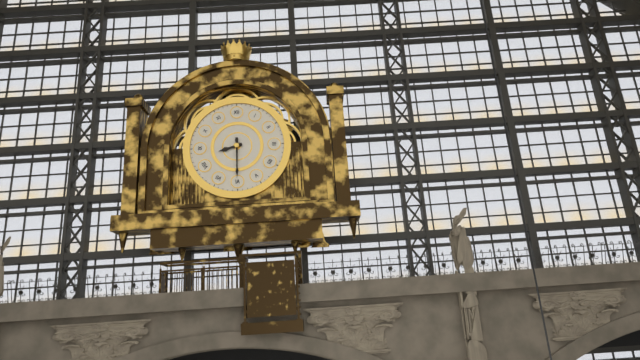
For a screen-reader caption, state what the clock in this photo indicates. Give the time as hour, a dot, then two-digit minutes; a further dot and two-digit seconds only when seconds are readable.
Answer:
8.30
